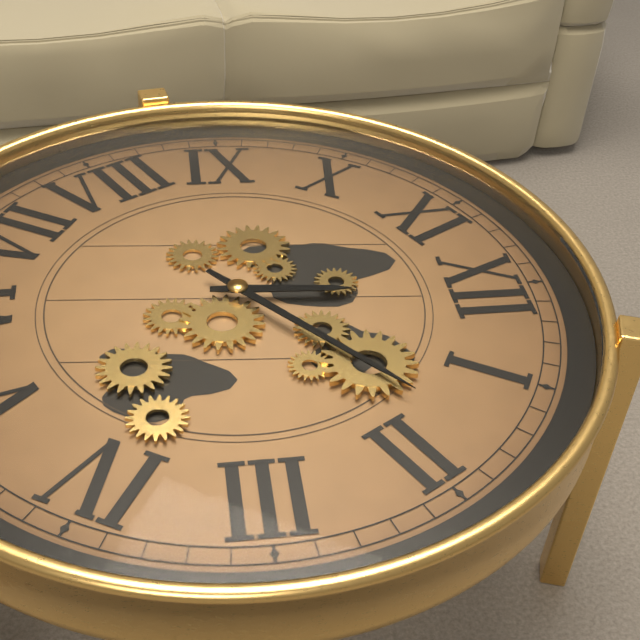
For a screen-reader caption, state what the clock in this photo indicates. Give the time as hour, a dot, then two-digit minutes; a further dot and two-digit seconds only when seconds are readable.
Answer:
12.08
